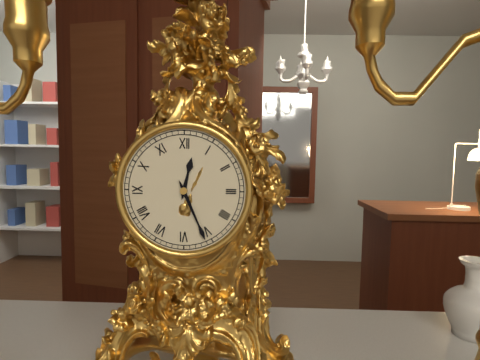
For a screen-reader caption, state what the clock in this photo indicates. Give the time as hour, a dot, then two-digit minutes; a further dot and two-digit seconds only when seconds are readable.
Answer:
12.26
